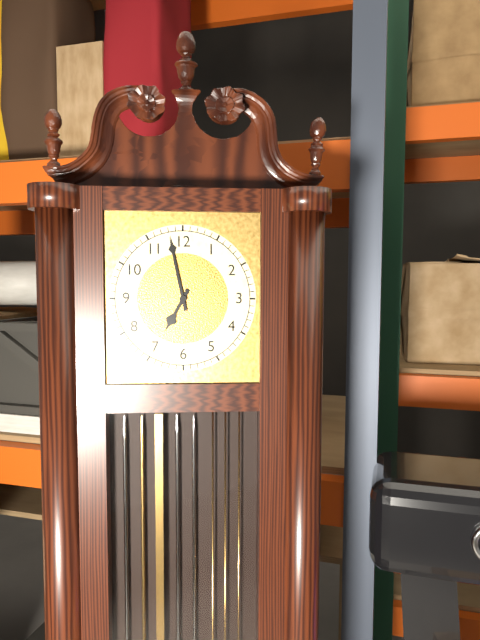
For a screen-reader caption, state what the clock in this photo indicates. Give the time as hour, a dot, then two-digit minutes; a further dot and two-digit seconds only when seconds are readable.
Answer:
6.58
